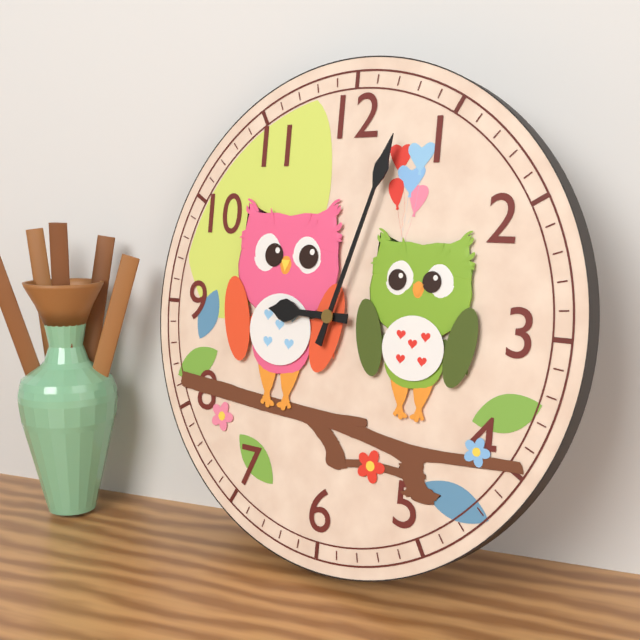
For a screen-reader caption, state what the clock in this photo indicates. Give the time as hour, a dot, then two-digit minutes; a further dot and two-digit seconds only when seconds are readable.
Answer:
9.03
